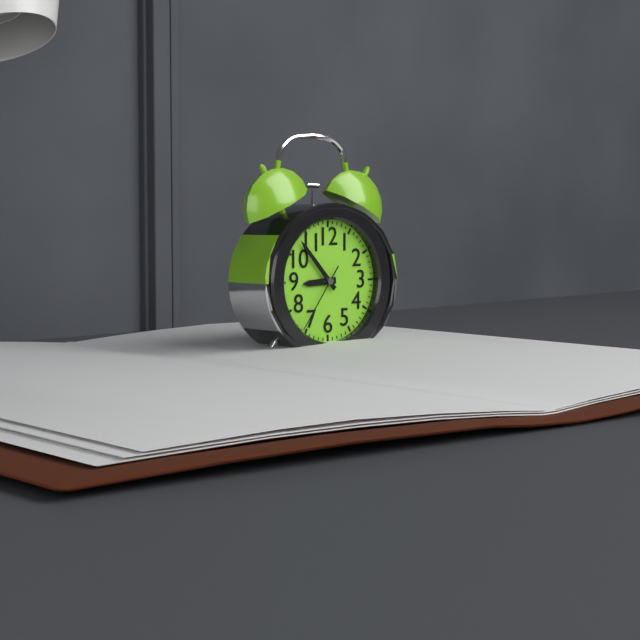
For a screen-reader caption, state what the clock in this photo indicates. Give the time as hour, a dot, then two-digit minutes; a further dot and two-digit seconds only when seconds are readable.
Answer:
8.53.36
